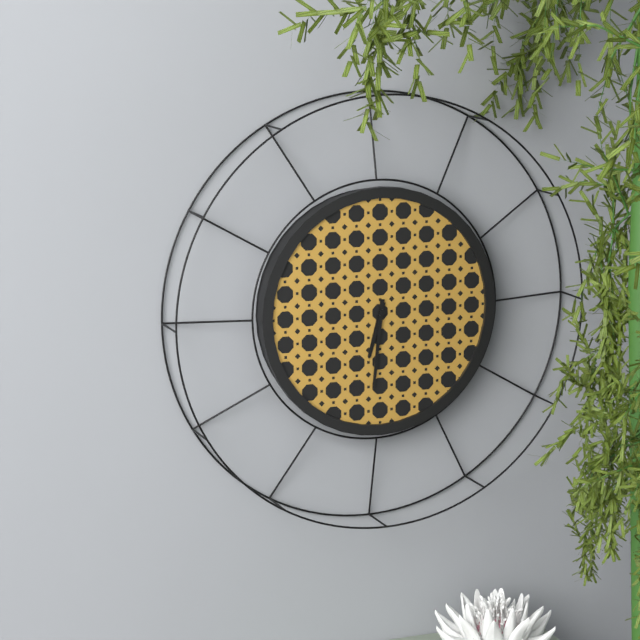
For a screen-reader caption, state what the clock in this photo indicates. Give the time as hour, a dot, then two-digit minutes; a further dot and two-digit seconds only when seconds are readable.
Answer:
6.31
